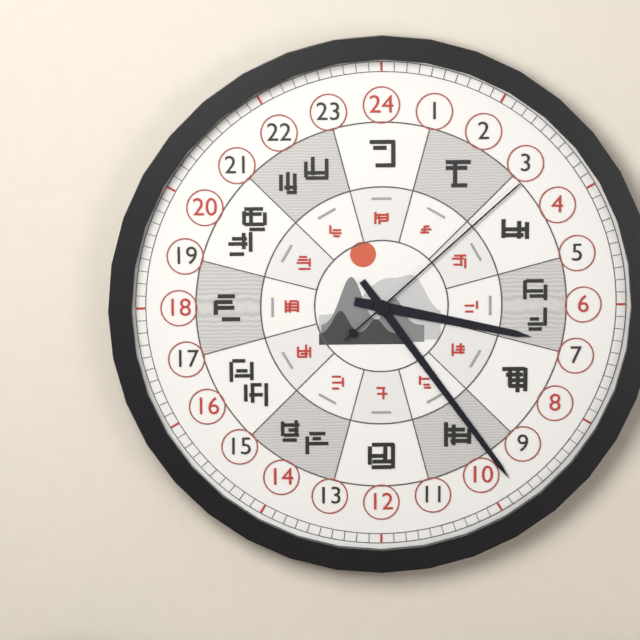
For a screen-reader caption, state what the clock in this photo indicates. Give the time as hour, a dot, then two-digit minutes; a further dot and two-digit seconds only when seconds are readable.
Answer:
3.24.08
